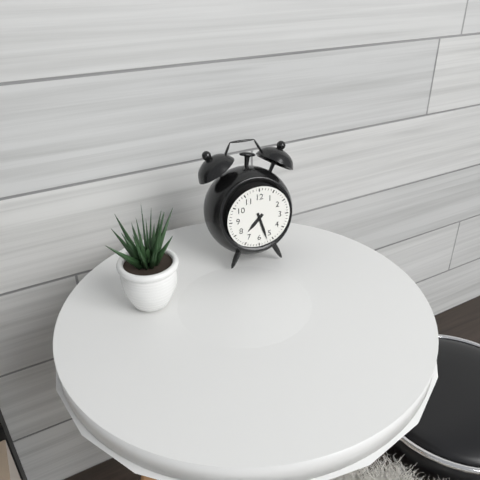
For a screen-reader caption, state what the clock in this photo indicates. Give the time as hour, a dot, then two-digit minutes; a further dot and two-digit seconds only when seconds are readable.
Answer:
7.27
